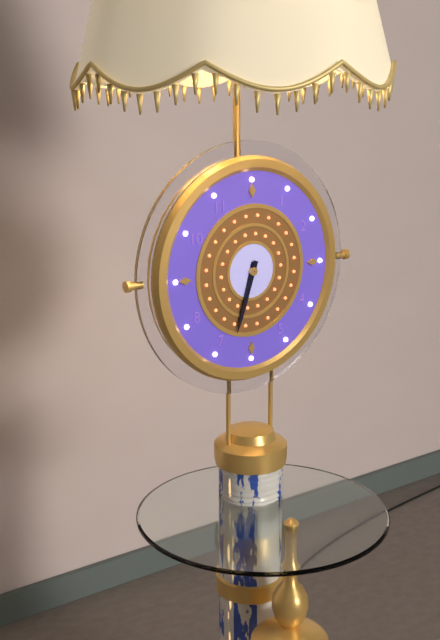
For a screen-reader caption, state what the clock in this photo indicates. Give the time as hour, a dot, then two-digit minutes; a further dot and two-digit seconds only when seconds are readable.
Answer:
6.33
